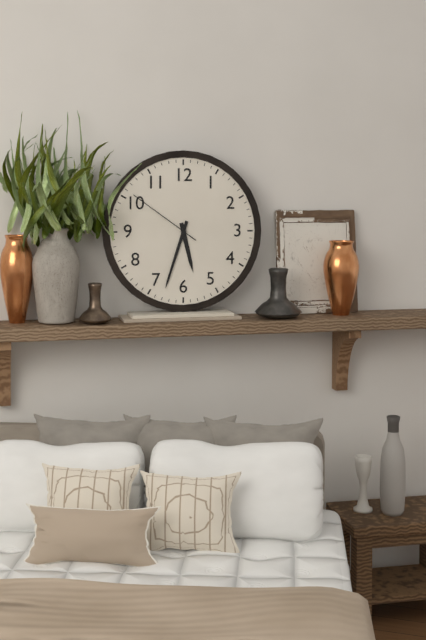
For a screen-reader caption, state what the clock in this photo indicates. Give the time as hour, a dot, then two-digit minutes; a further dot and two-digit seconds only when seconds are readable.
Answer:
5.33.51
